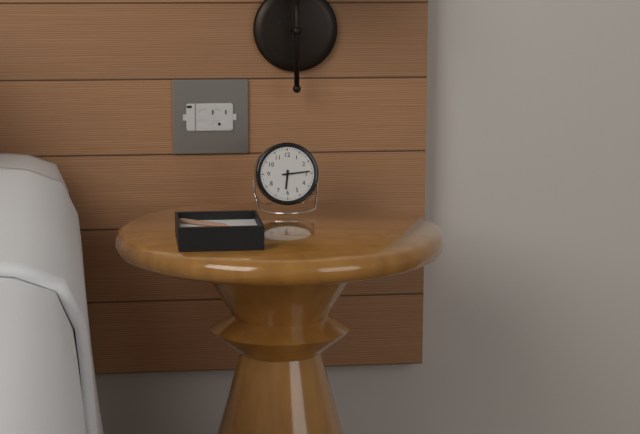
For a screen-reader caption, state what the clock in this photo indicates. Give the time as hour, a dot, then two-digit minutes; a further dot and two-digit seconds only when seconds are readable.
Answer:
6.14
